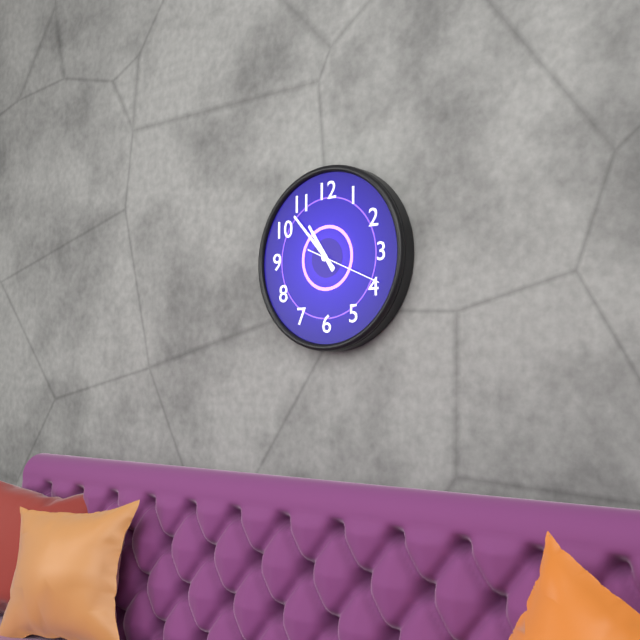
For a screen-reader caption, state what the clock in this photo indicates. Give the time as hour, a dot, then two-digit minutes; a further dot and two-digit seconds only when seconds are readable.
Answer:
10.53.19
